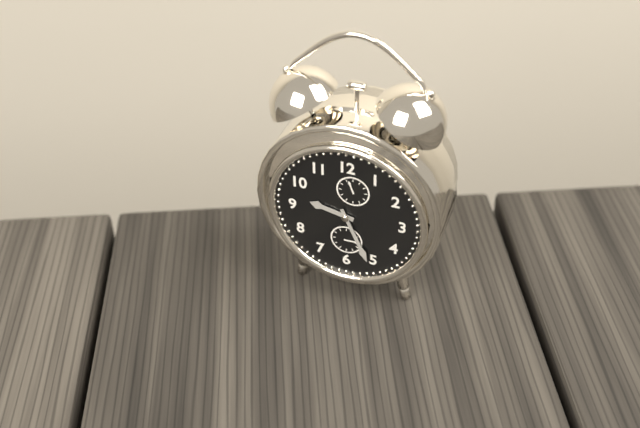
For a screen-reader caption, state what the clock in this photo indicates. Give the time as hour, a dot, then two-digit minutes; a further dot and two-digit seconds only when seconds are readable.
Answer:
9.26
